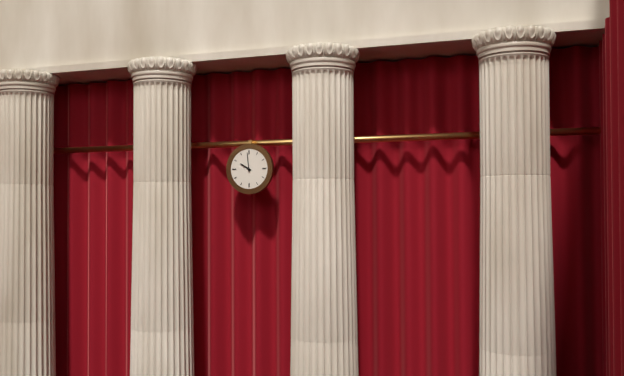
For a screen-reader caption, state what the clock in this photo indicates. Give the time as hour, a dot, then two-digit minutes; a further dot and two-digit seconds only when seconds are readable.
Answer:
9.59
